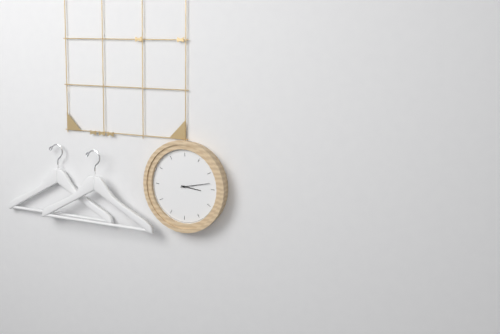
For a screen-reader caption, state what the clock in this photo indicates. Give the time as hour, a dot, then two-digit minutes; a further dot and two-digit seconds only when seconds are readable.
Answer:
3.13
